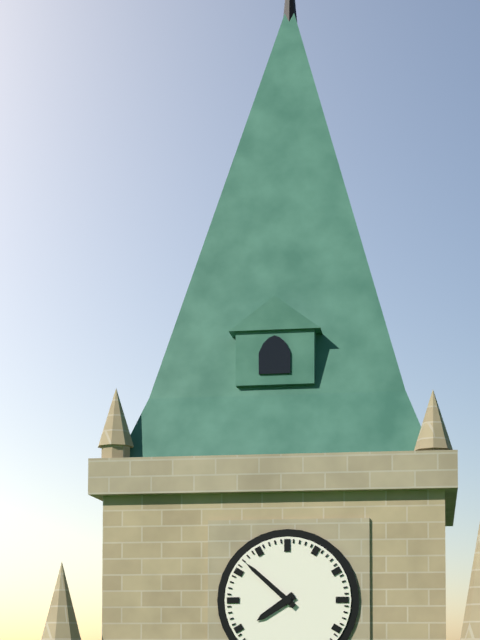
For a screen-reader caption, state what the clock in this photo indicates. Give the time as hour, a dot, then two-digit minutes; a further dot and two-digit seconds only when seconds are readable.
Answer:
7.52
